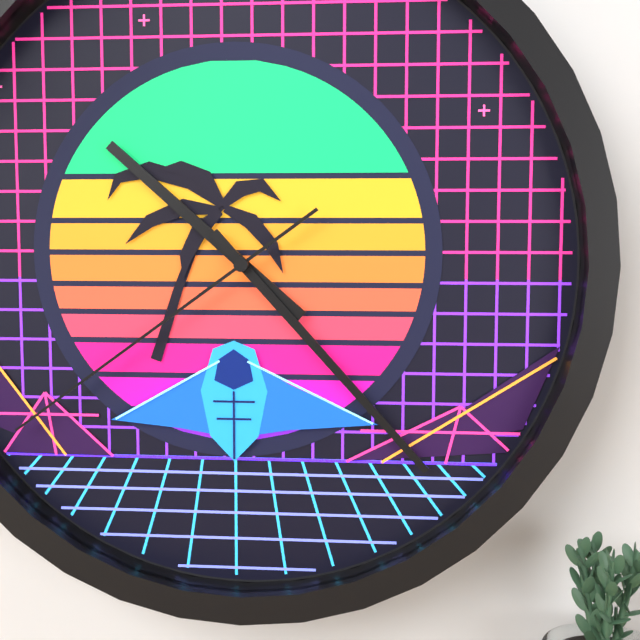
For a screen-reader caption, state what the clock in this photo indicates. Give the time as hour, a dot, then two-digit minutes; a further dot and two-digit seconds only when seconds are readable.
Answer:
10.23.39
